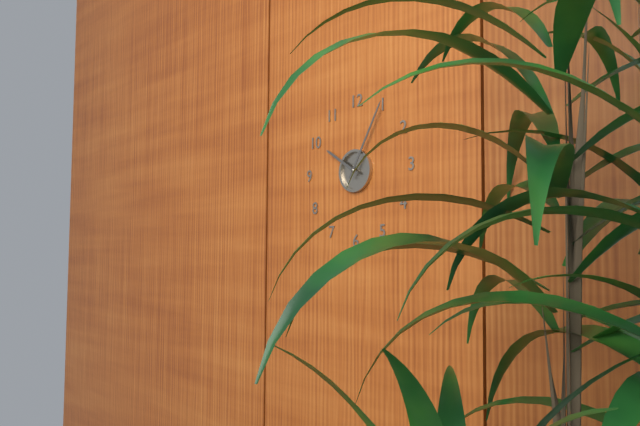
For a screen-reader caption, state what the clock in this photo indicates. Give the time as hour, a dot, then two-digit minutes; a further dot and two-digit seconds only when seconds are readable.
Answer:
10.05
